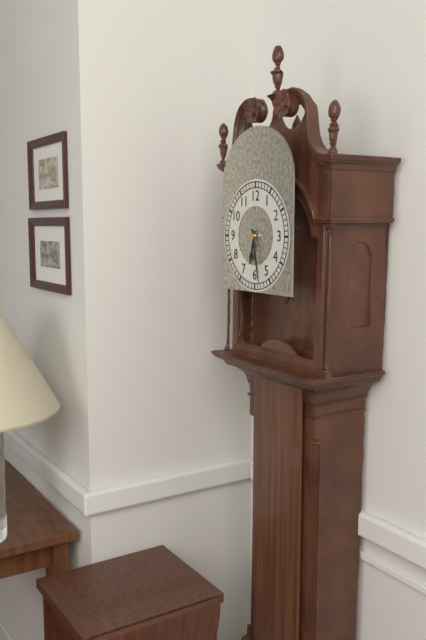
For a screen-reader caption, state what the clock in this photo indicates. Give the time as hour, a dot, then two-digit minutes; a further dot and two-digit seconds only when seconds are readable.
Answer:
6.28
